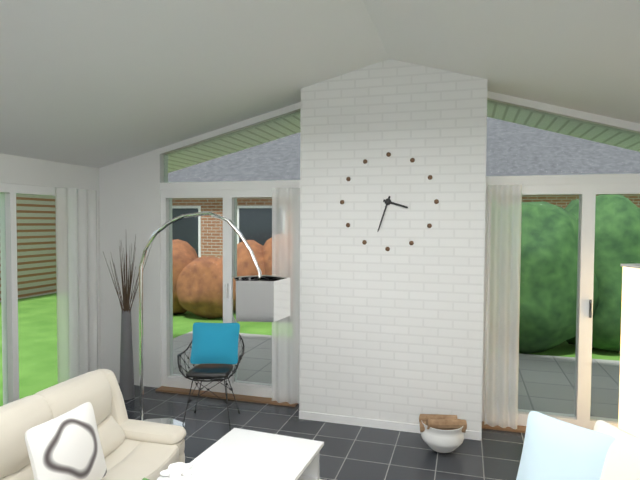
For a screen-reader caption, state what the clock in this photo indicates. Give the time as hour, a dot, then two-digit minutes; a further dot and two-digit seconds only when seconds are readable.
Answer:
3.33
